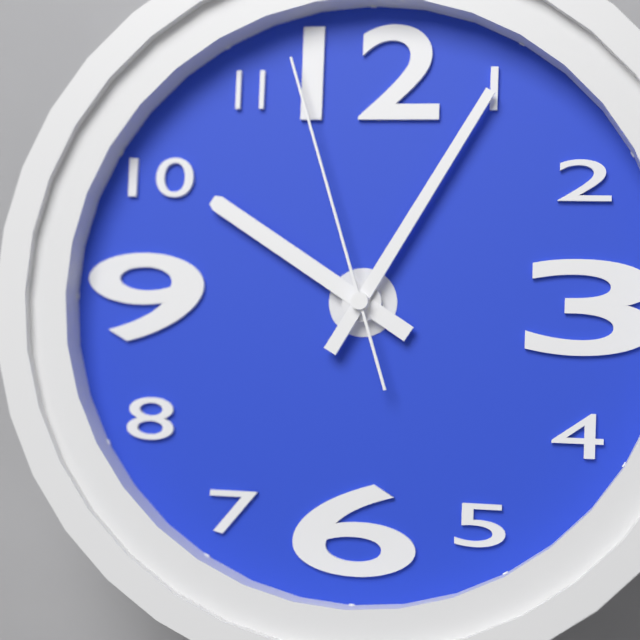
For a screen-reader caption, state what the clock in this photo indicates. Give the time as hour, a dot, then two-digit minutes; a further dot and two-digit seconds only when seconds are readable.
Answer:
10.05.57
